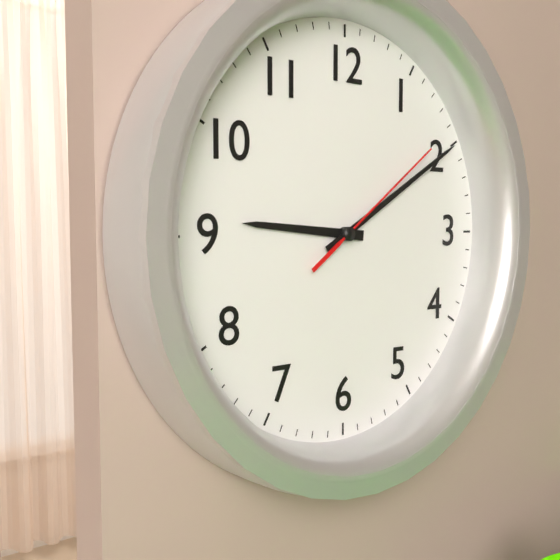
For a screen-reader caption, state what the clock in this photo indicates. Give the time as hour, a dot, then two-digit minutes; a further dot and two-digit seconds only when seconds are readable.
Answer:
9.10.09
